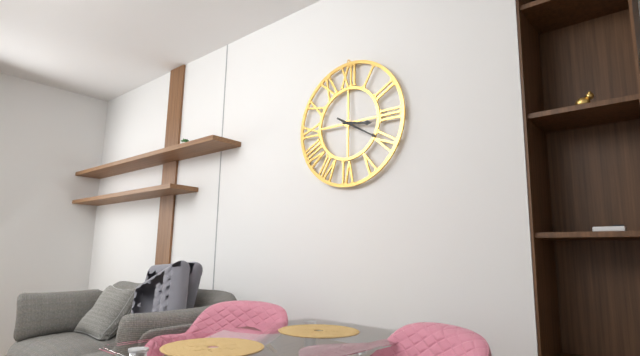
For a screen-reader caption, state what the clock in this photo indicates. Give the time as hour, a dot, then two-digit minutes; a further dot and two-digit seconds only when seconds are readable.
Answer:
3.20
